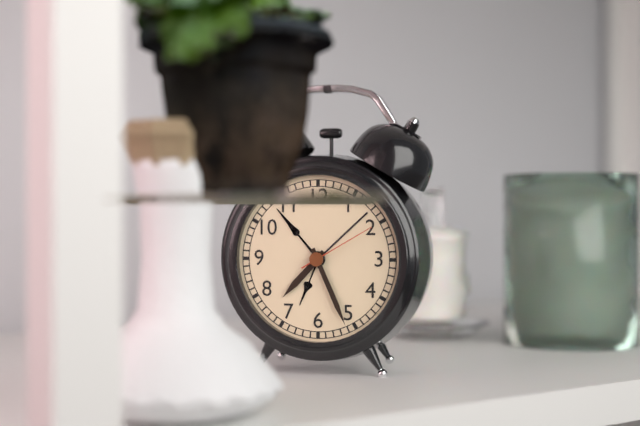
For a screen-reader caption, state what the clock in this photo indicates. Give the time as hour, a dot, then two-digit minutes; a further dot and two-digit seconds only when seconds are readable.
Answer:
7.26.10
